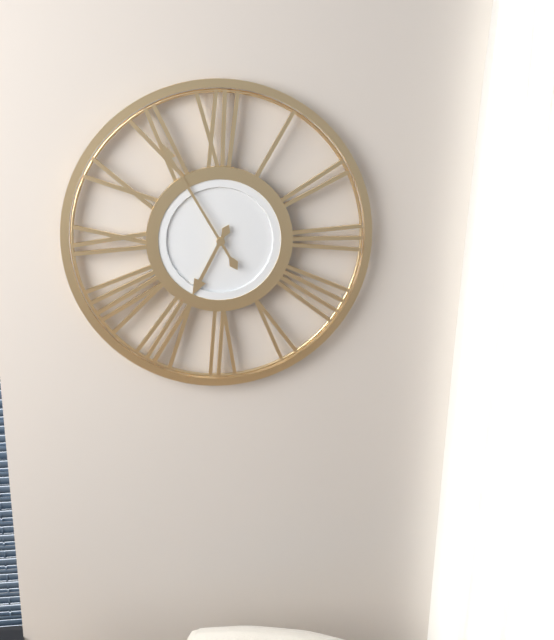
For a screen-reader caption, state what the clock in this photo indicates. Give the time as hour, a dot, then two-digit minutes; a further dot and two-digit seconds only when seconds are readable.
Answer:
6.55
